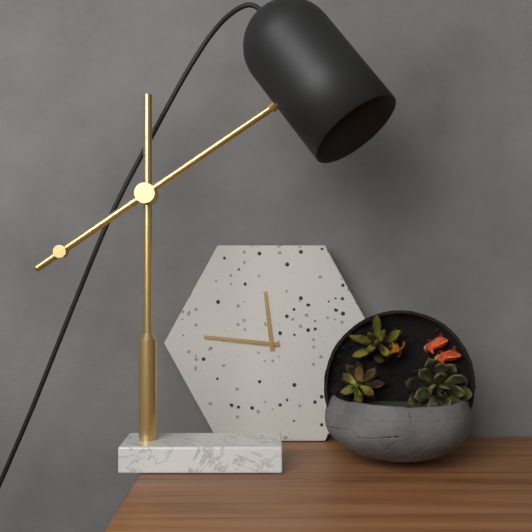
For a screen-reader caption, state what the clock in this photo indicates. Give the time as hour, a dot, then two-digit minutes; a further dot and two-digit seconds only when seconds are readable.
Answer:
11.46
